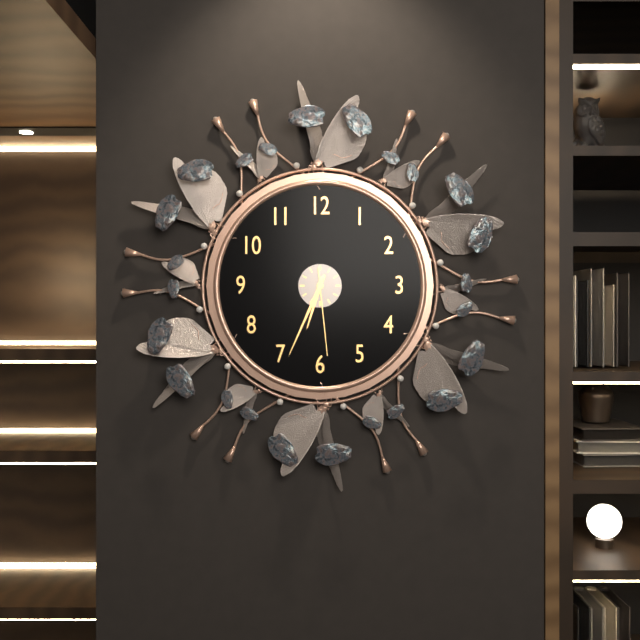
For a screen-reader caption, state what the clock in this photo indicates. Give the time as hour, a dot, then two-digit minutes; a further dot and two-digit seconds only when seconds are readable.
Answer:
6.34.29
